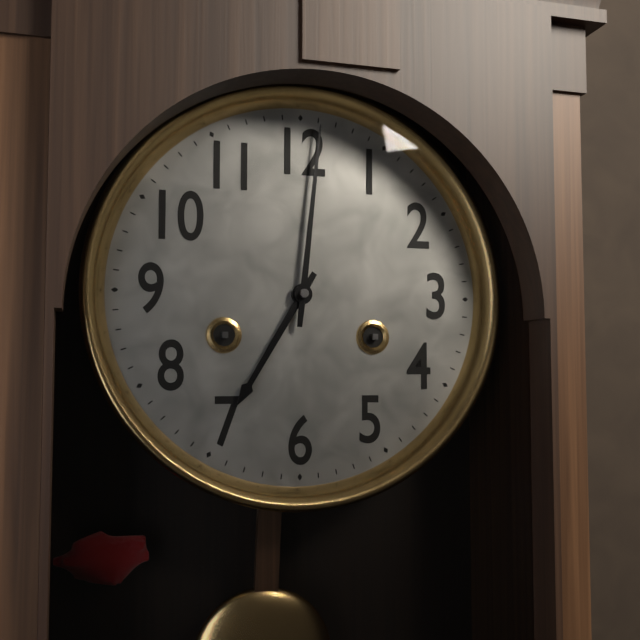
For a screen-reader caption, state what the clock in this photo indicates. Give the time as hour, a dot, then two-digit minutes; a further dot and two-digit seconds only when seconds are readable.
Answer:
7.01
